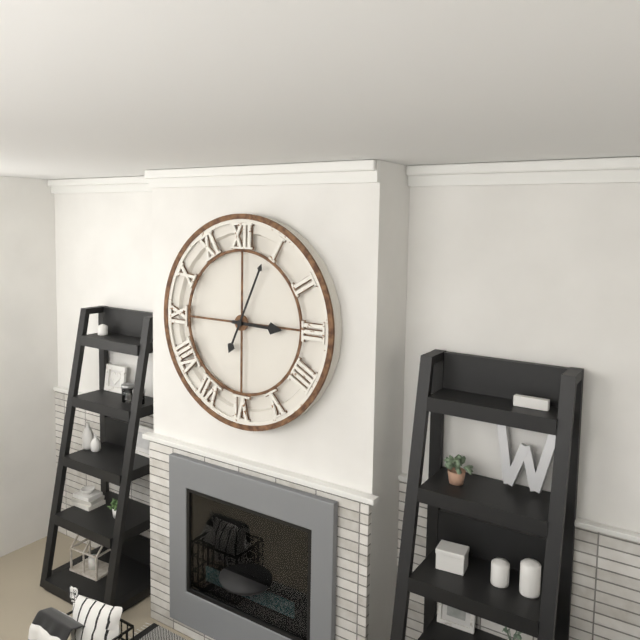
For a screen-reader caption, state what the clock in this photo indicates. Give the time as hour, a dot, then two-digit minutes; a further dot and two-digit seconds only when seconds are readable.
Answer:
3.04
